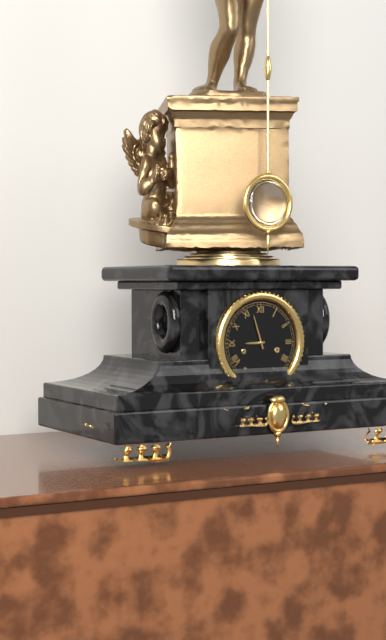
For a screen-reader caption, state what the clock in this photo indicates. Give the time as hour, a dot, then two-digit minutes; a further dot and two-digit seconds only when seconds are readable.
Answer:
8.57
